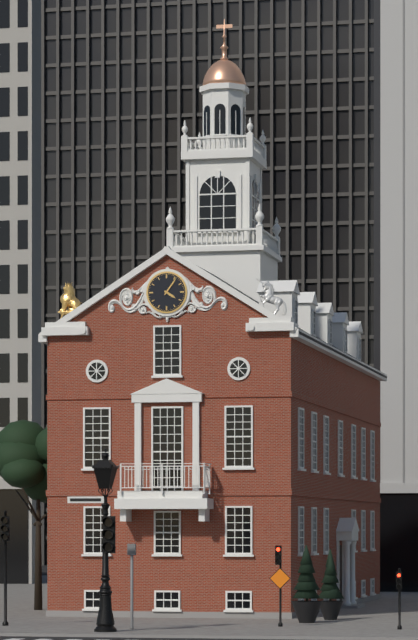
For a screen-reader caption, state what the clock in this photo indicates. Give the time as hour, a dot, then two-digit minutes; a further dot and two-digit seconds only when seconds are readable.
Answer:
4.06
